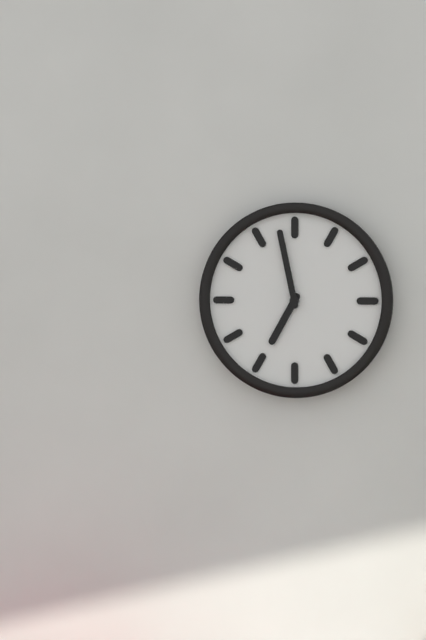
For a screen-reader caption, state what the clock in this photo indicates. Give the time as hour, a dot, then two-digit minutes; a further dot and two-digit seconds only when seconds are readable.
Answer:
6.58
